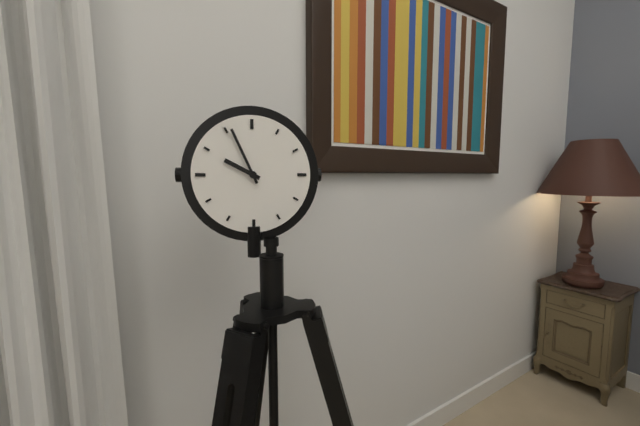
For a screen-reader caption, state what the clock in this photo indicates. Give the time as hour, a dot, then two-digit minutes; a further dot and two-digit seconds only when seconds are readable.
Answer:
9.56
